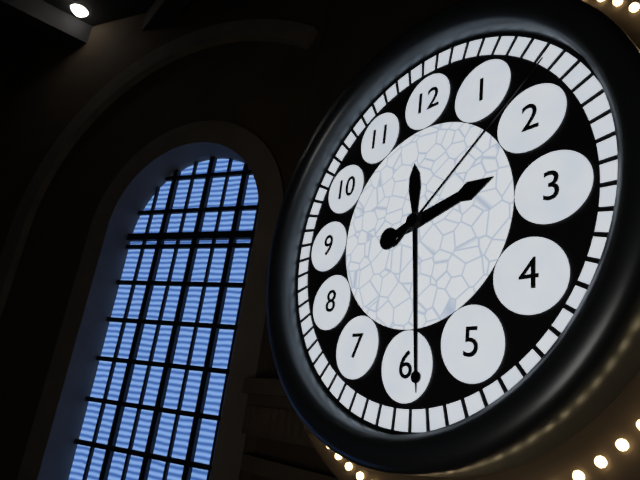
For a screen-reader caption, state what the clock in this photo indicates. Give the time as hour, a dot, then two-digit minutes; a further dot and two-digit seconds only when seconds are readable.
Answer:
2.29.08
